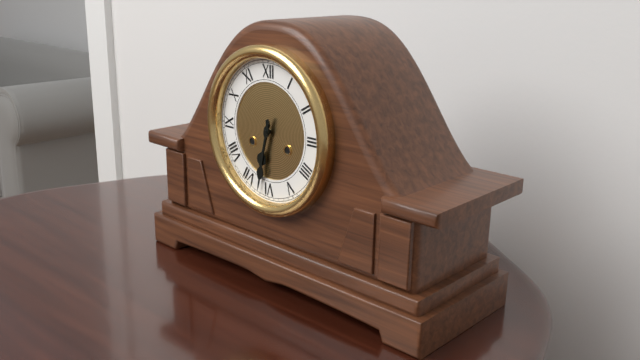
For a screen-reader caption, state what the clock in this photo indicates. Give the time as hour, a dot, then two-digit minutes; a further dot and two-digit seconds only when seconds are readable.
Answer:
6.32
